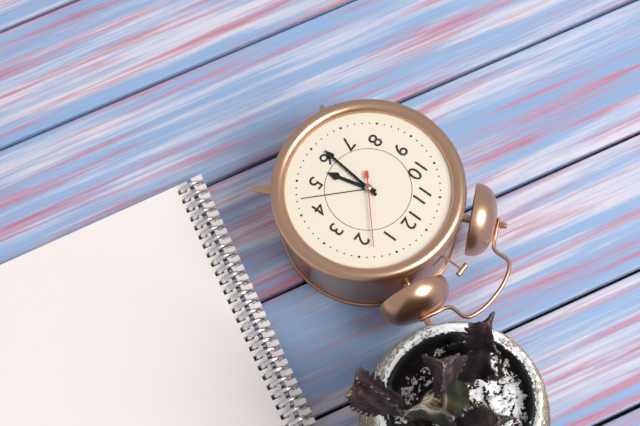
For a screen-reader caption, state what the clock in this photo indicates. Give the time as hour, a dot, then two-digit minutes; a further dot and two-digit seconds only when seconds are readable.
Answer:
5.31.08
